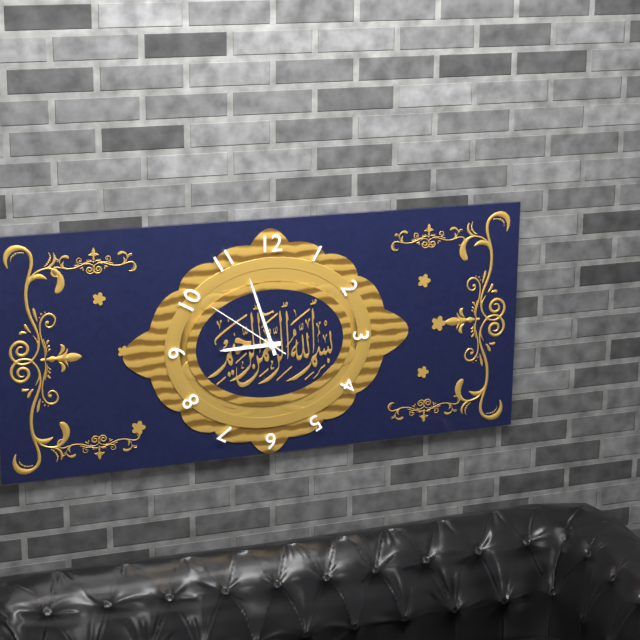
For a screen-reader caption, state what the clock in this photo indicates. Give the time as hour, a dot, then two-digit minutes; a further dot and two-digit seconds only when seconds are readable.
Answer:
8.57.51
